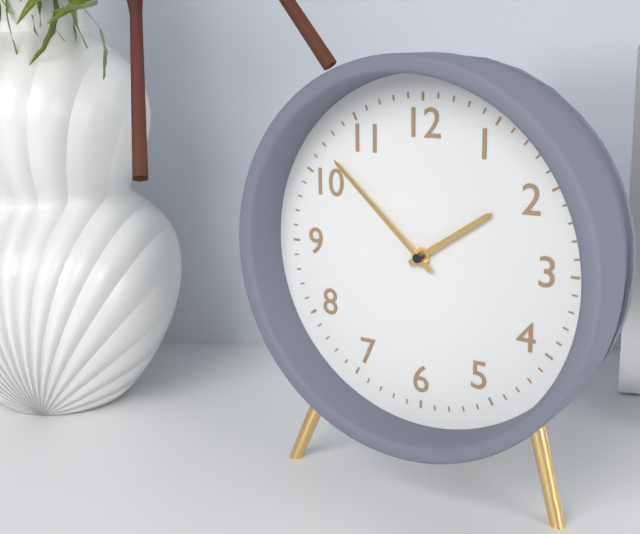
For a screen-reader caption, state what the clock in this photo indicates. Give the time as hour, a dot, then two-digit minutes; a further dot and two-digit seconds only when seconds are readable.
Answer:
1.52
